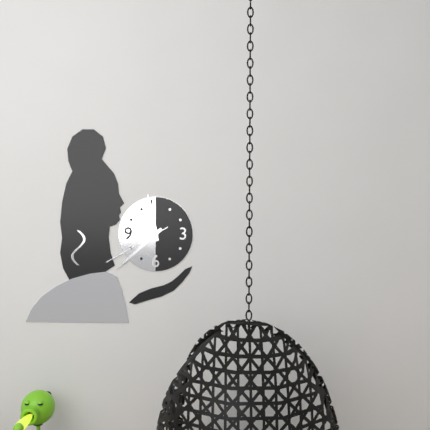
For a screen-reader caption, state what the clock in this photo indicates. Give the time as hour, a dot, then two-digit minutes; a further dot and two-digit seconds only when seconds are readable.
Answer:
11.38.40
